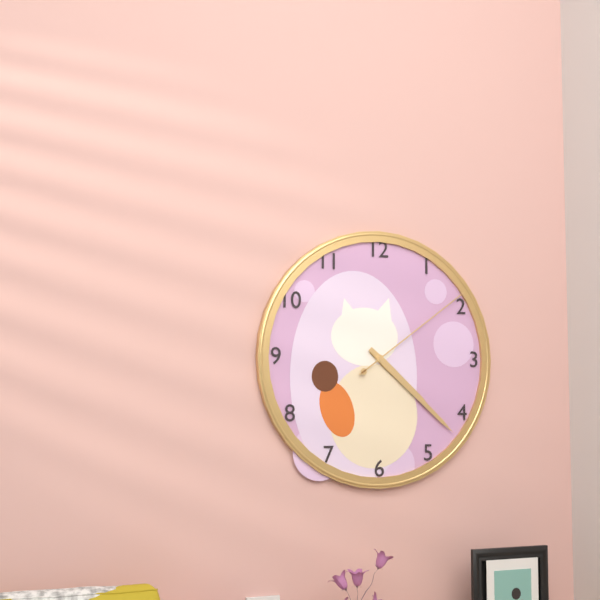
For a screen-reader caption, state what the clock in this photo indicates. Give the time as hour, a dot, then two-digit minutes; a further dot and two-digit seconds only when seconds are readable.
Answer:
4.22.09
